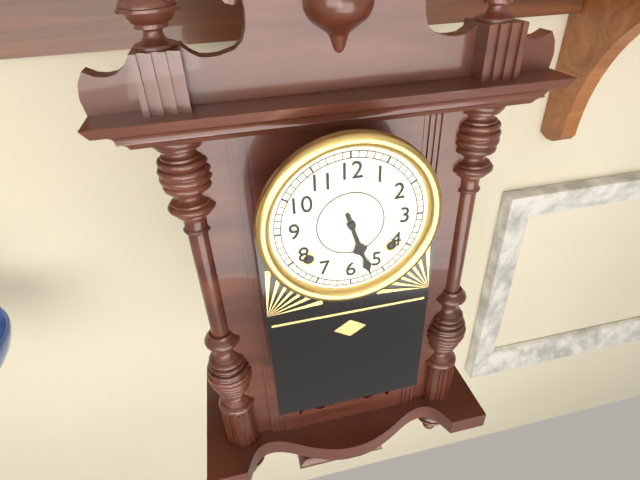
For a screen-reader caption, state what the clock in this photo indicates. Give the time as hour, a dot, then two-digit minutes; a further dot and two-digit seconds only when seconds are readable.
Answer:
5.27
